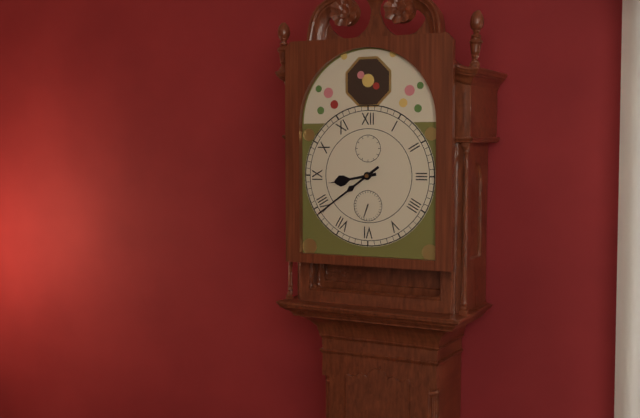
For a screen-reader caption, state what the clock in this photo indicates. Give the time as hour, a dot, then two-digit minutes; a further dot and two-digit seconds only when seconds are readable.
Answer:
8.39
